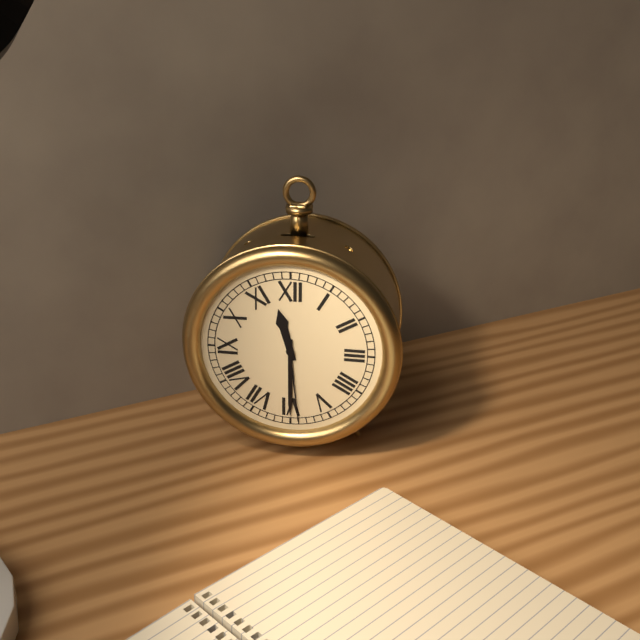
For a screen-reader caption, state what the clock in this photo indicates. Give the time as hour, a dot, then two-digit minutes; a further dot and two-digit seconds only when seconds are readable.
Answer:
11.30.29
